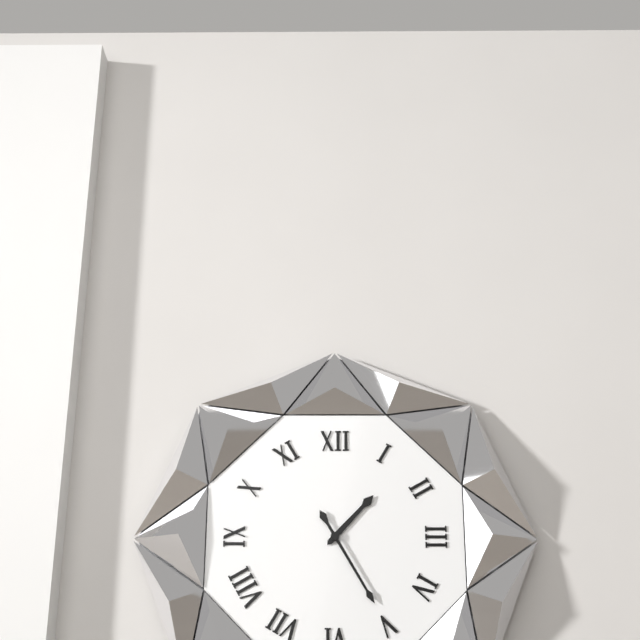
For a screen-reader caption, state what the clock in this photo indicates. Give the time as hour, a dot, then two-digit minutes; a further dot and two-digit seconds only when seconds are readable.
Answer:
1.25
